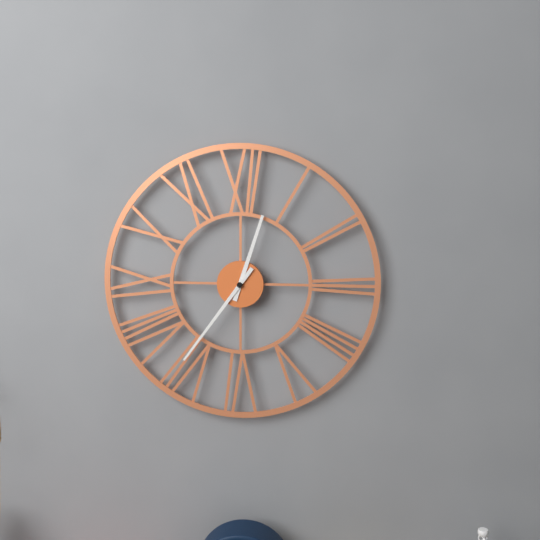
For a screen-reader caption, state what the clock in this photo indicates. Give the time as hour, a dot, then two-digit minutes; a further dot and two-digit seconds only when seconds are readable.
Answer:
12.36
